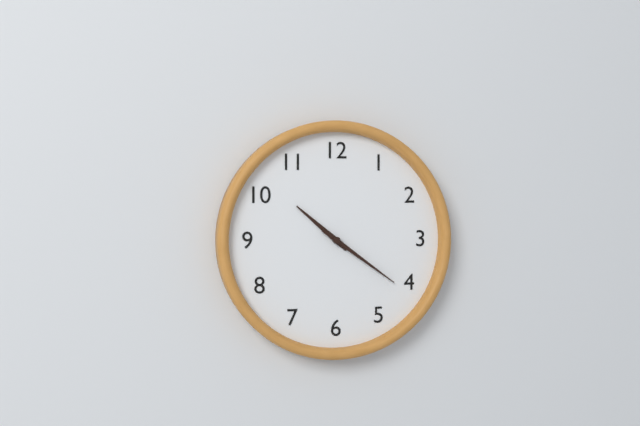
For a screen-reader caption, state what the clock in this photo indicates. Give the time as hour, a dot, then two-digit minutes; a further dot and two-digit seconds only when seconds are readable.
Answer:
10.21
